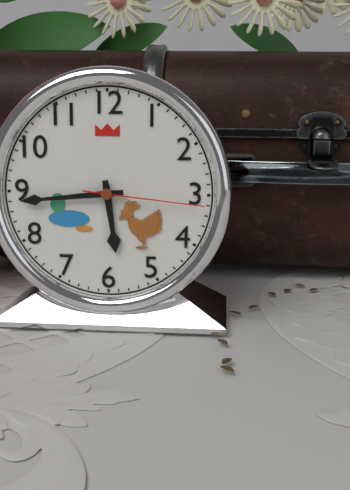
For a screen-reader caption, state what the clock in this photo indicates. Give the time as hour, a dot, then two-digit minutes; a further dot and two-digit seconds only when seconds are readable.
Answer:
5.44.16
